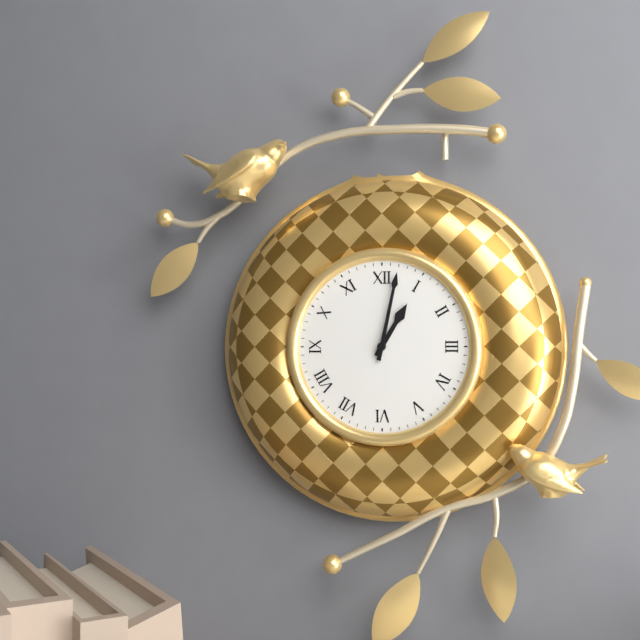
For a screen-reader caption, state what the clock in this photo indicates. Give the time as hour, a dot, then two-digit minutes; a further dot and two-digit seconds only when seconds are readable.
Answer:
1.02
